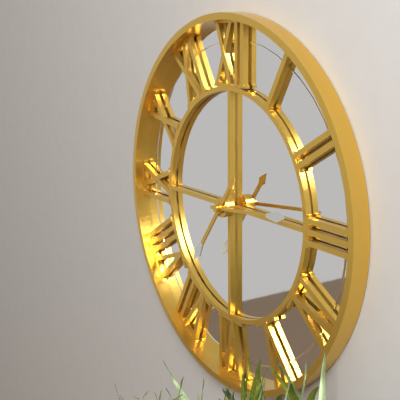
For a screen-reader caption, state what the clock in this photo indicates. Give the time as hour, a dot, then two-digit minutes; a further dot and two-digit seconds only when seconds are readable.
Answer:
7.14
